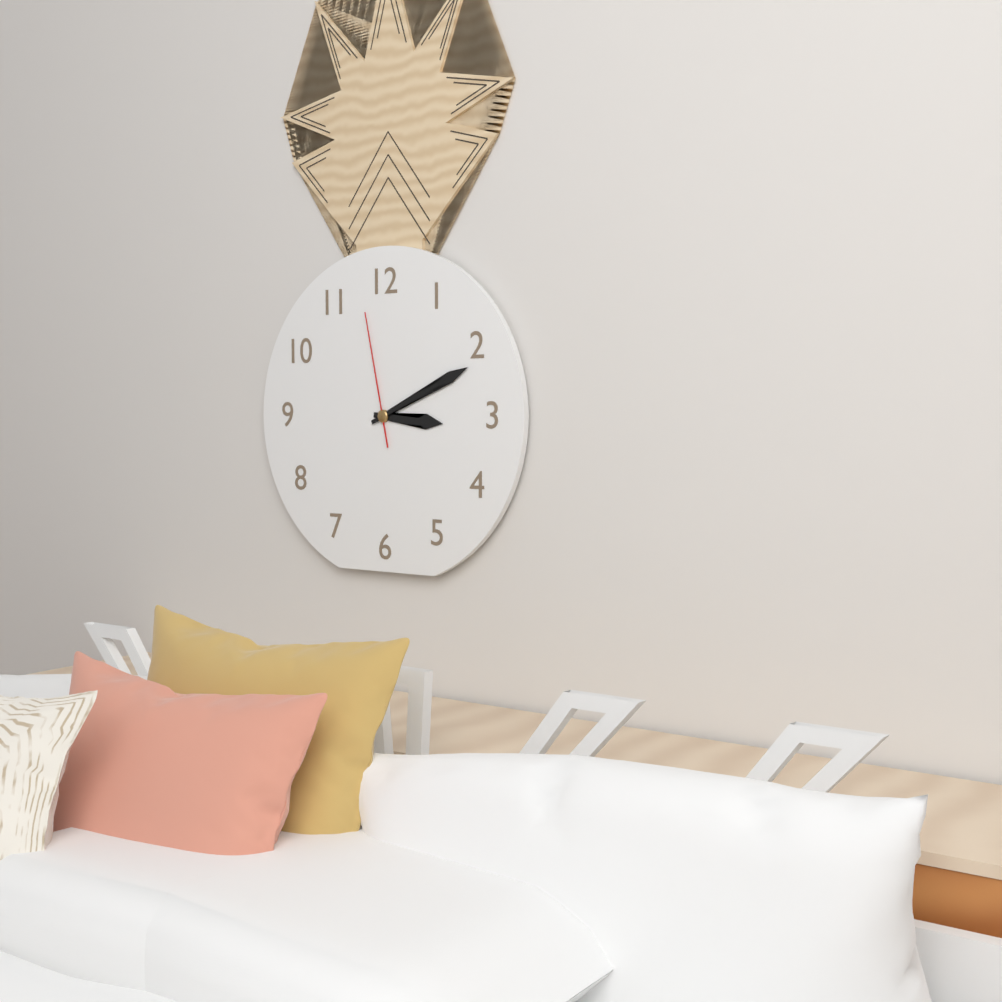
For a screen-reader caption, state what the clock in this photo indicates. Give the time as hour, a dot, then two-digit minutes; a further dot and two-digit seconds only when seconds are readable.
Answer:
3.11.58
